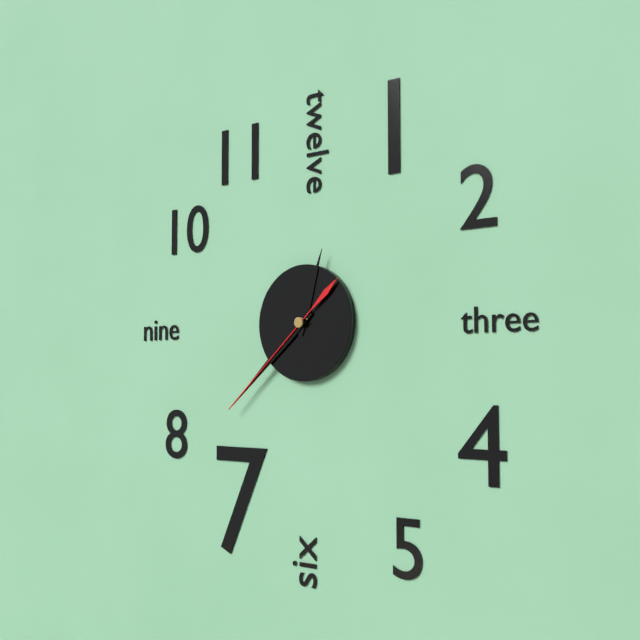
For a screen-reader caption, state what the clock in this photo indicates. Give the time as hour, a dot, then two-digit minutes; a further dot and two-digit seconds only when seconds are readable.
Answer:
12.38.38
